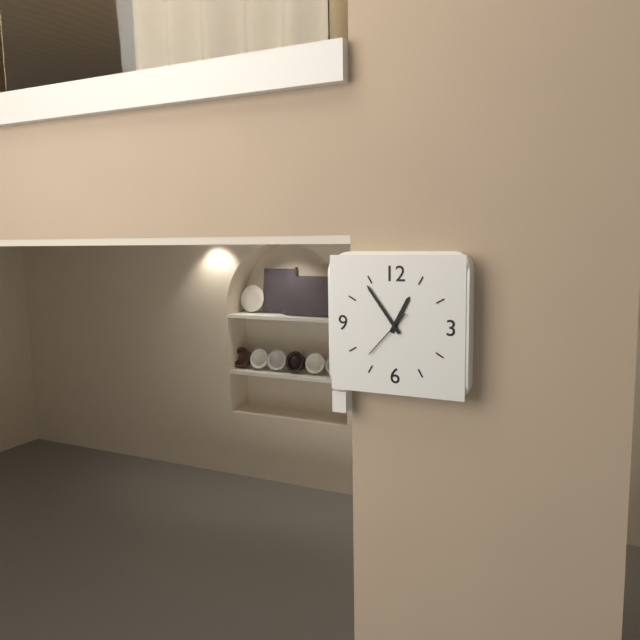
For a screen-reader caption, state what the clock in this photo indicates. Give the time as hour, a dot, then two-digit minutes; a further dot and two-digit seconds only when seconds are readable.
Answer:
12.54
